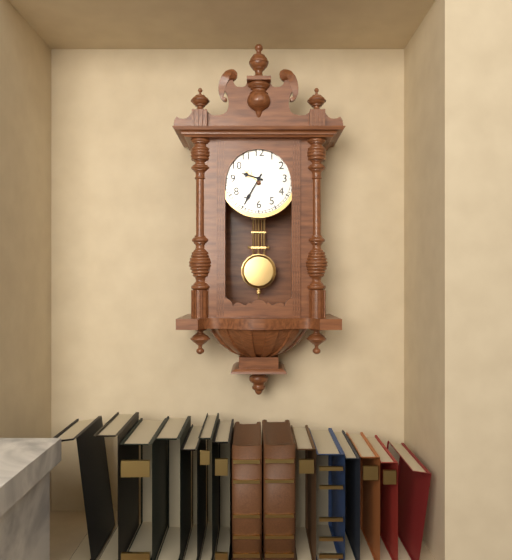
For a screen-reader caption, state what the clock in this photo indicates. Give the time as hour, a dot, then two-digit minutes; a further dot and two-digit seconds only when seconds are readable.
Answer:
9.35
